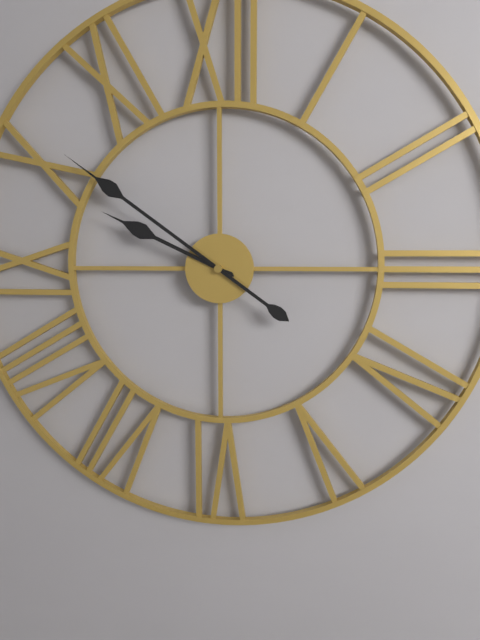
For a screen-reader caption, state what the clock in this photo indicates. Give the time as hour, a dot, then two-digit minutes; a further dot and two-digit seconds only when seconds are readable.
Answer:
9.51
